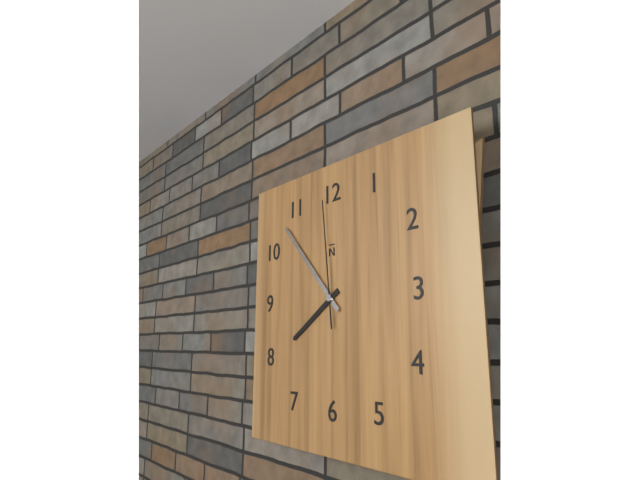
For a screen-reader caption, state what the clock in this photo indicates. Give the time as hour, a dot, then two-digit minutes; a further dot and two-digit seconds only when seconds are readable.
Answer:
7.53.59
